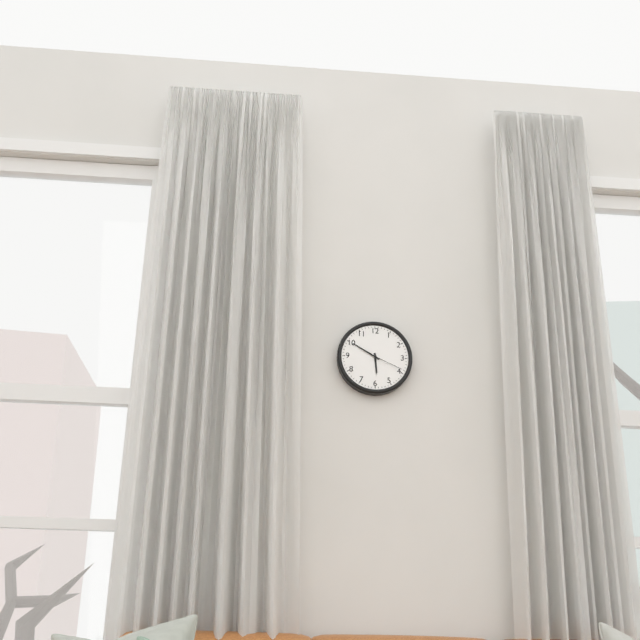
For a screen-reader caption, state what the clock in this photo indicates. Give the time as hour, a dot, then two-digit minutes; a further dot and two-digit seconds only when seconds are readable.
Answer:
5.50
